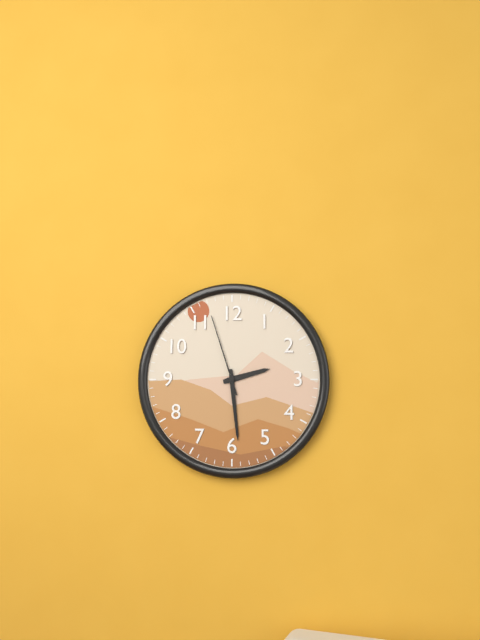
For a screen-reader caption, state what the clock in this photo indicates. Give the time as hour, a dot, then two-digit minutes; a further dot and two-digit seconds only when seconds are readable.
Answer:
2.29.57
